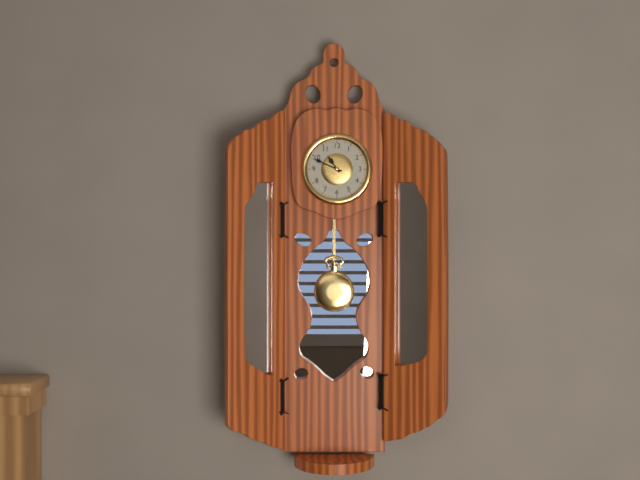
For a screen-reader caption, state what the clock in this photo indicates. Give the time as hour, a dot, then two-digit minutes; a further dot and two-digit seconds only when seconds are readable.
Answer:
10.49
